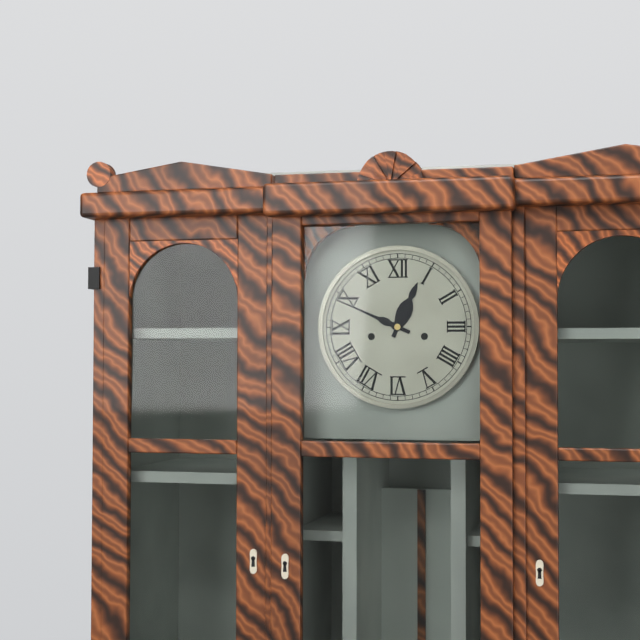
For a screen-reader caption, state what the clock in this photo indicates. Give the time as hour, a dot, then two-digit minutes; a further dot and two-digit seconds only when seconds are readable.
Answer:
12.49
